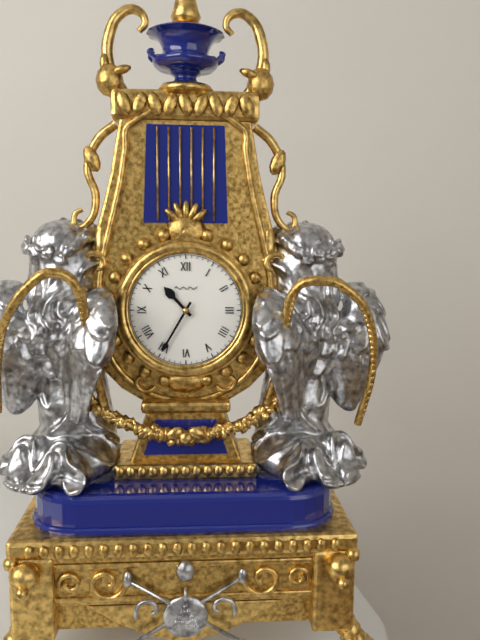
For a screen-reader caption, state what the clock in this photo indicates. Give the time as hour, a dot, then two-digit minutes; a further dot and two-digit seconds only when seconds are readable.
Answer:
10.35
